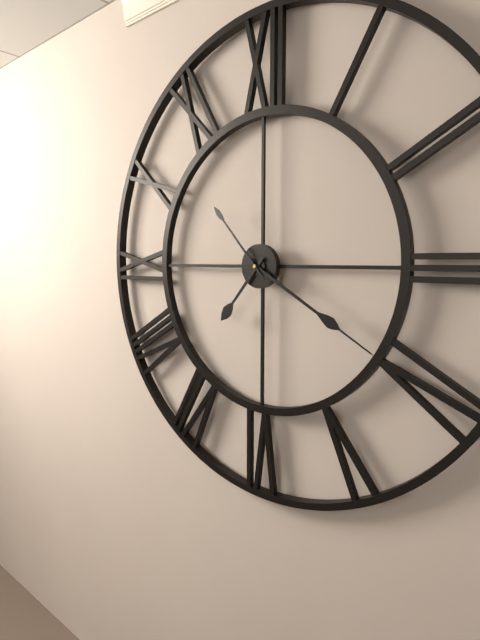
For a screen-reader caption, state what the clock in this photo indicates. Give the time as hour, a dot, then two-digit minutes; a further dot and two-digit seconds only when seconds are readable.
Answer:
7.20.53
